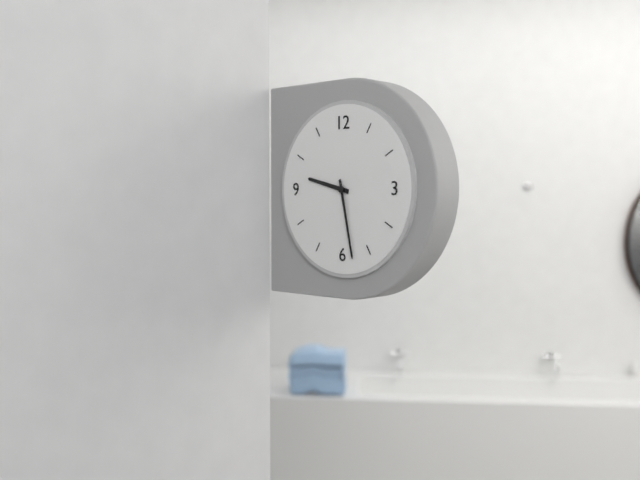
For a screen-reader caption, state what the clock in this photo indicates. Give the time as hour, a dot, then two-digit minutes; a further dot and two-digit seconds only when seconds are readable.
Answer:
9.28
